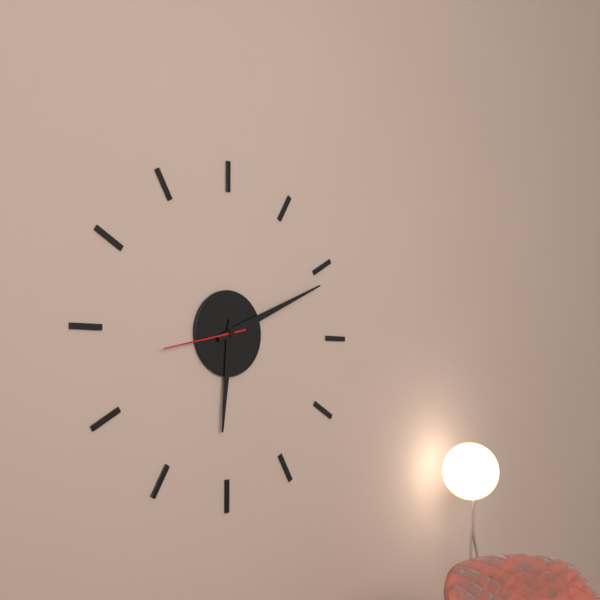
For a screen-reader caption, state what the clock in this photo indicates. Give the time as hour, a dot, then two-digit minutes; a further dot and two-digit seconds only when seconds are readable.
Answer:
6.11.43
